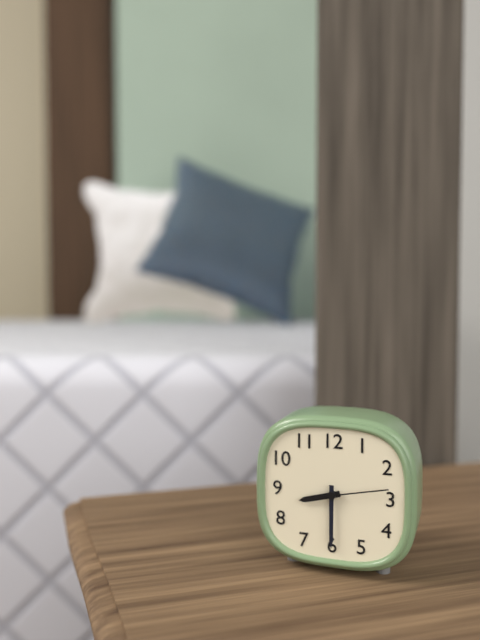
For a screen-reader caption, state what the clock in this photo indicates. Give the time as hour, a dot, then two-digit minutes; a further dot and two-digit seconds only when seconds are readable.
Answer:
8.30.13
